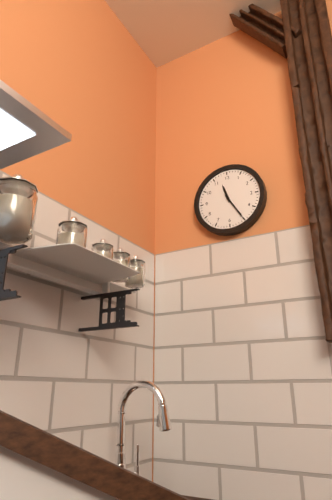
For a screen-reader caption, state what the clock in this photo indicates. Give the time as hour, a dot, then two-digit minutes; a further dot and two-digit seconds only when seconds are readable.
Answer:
11.25
